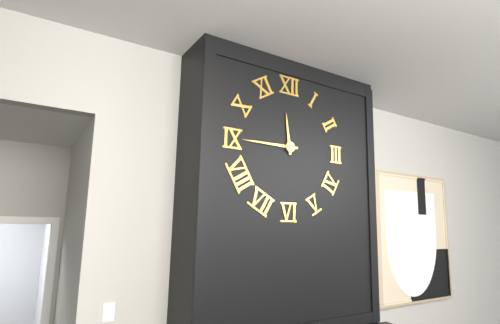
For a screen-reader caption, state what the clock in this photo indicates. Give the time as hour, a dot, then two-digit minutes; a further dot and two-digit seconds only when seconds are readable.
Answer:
11.45
